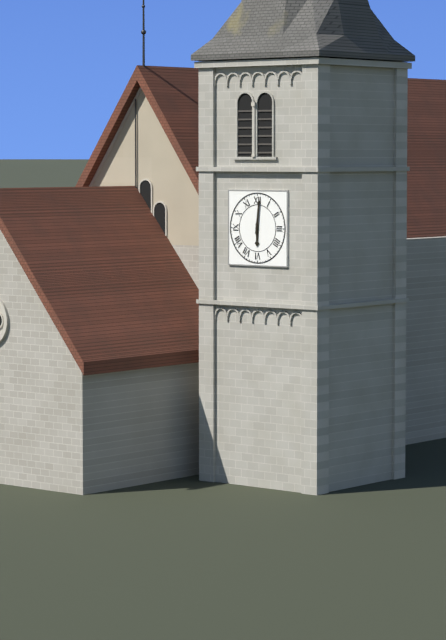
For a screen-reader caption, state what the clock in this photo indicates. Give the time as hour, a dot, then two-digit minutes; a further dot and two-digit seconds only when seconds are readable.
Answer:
6.01
